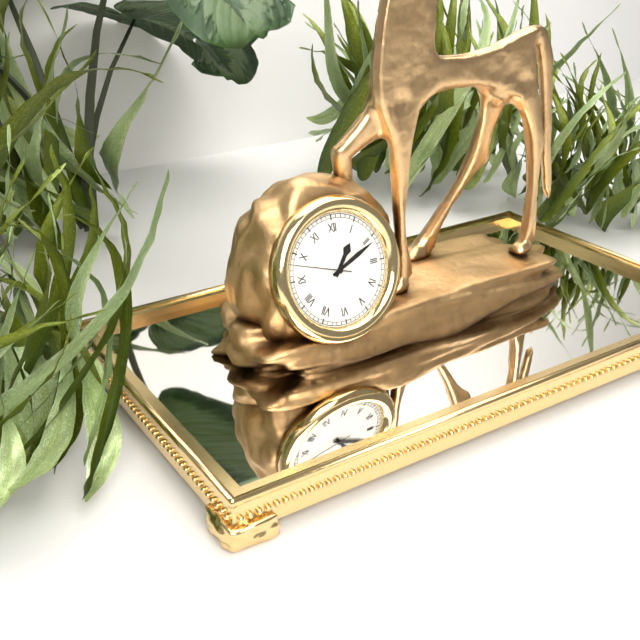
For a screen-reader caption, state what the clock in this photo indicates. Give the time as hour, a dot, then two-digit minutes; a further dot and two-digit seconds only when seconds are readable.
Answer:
1.11.48
